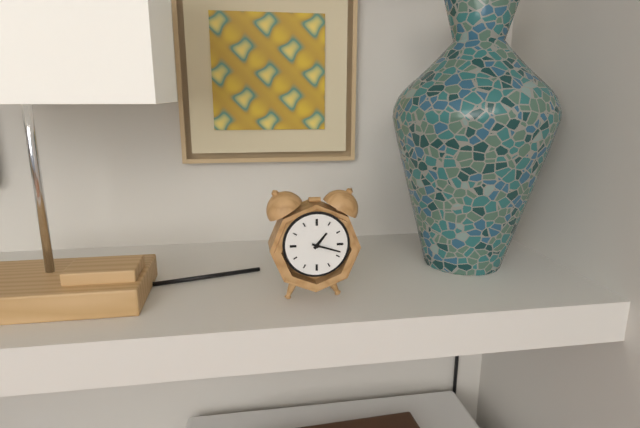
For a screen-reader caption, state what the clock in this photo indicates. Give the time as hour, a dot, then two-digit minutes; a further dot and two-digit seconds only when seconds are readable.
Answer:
1.18
